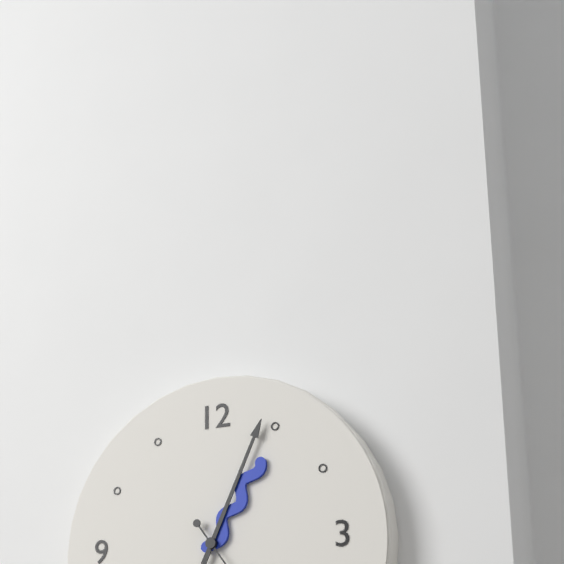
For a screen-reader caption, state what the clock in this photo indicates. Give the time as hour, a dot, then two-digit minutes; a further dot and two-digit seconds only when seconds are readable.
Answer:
1.04
